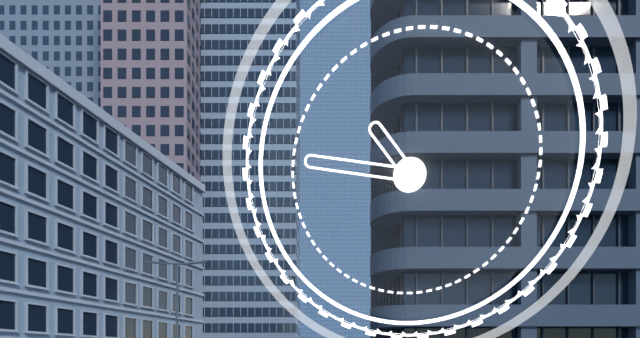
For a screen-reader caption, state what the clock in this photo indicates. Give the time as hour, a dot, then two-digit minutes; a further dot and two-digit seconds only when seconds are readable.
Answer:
10.47
